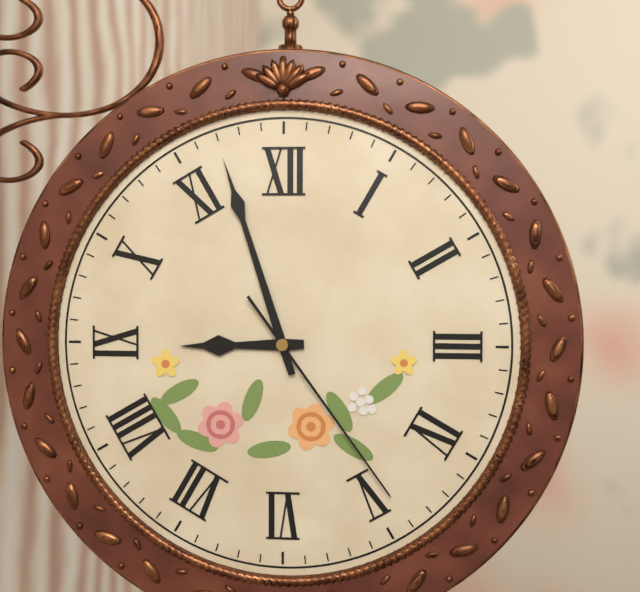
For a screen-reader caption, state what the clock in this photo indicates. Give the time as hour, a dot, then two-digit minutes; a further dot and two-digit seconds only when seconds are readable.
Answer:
8.57.24
